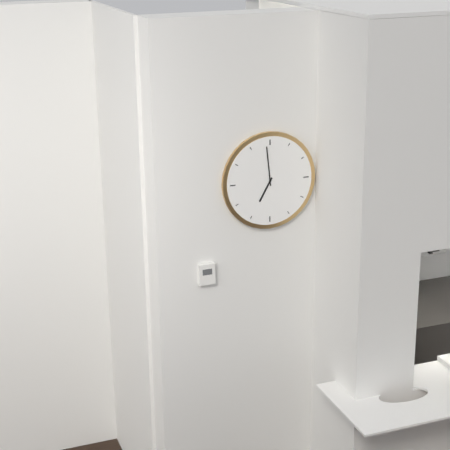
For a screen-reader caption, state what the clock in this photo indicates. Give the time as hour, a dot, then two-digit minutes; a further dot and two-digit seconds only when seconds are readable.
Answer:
6.59
